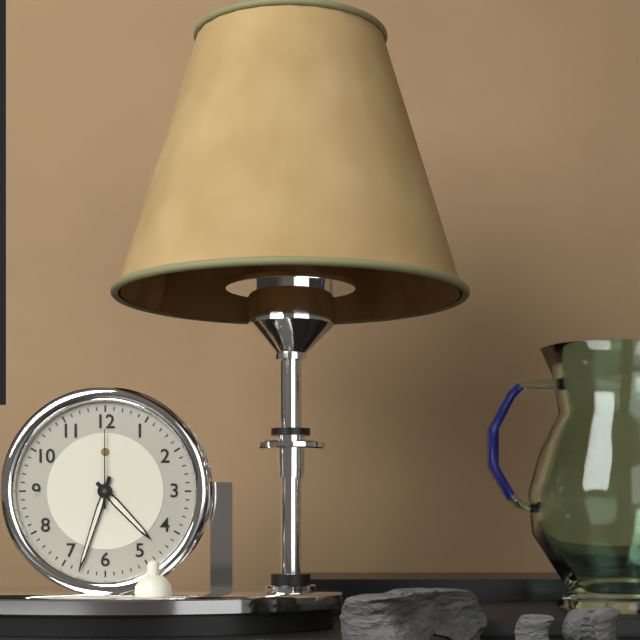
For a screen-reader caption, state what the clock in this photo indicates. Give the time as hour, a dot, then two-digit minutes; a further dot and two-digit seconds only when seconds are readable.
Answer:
4.33.00
